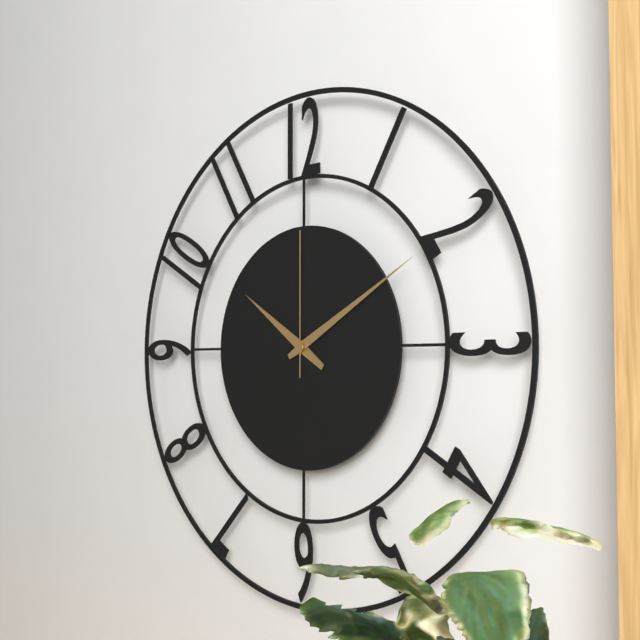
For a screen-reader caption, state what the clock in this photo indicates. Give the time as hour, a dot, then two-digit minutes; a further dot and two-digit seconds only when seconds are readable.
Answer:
10.10.00
